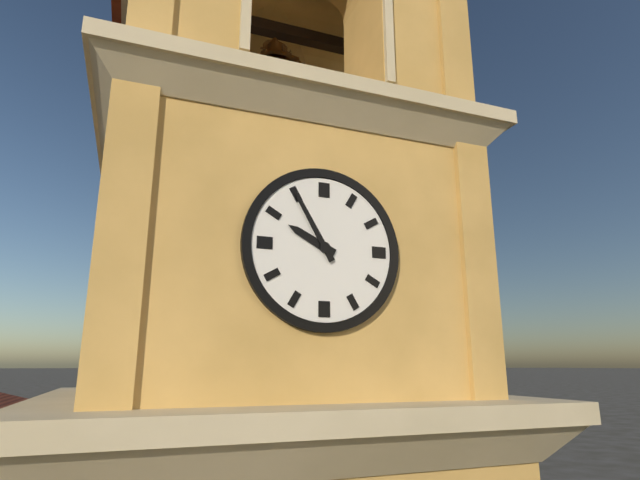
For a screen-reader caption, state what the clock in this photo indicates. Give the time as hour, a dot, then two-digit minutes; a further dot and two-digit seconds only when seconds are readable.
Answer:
9.55
